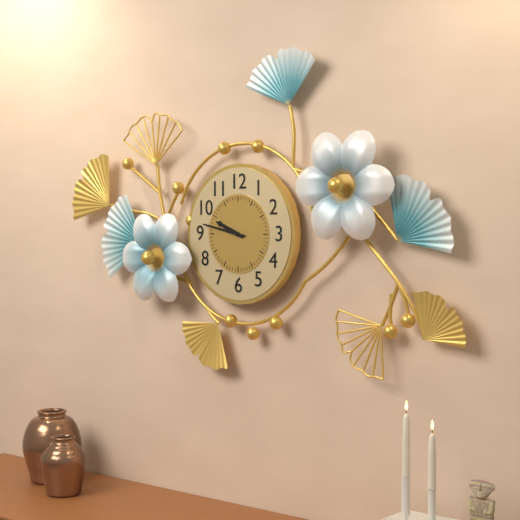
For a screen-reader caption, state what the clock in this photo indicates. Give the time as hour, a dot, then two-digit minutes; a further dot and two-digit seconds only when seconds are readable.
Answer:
9.47
